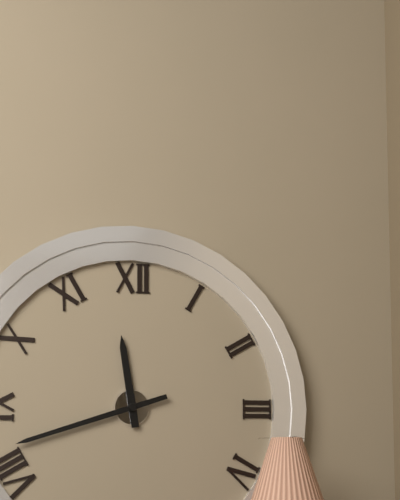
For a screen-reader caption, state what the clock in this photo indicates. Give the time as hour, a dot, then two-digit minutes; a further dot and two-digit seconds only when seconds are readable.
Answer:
11.42
